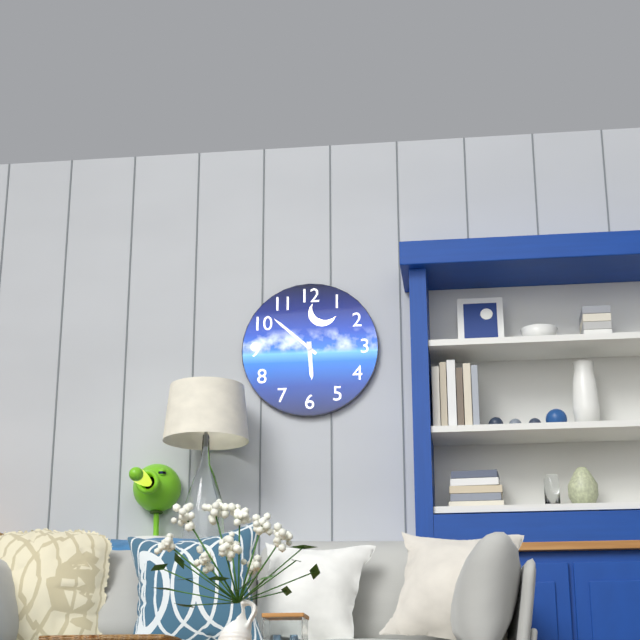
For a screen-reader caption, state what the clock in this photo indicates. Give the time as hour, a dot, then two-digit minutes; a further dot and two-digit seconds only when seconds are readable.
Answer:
5.52
